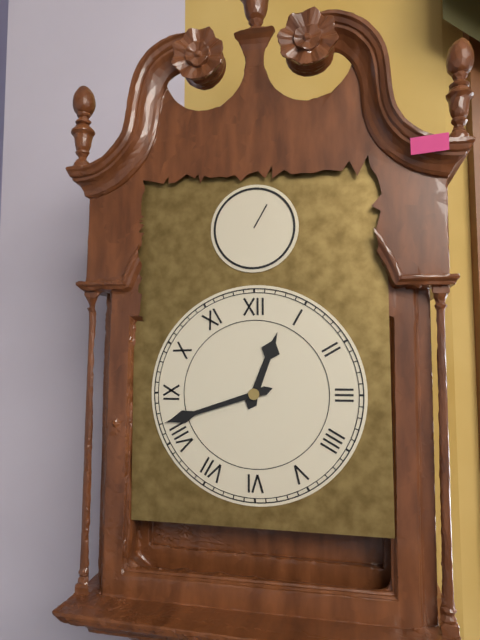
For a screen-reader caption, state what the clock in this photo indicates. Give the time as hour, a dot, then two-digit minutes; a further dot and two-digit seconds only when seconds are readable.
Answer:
12.42
